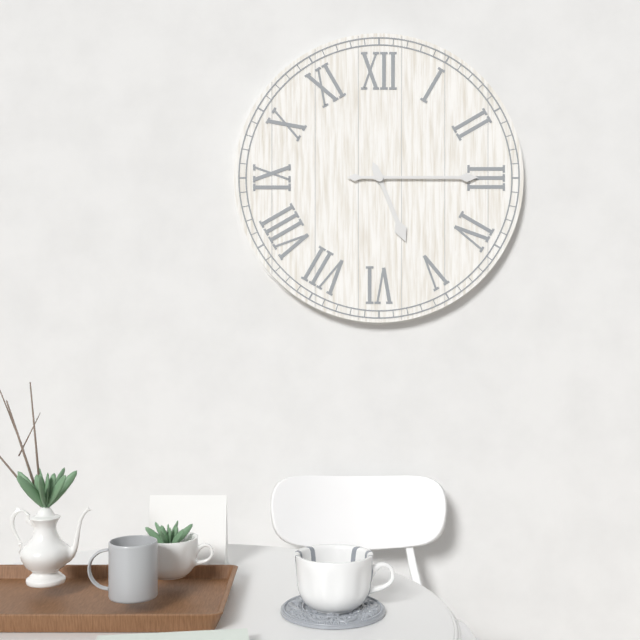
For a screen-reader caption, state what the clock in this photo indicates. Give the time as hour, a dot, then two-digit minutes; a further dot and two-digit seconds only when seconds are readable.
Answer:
5.15
